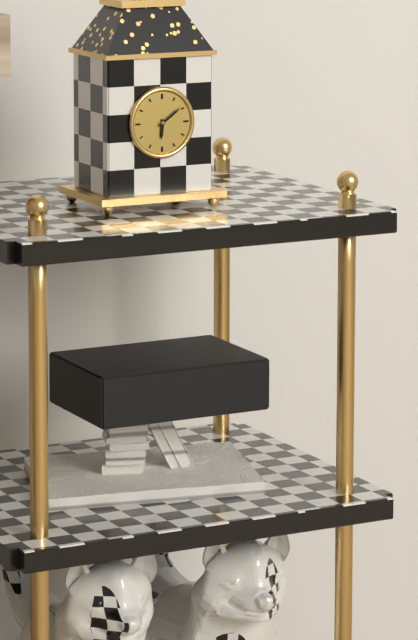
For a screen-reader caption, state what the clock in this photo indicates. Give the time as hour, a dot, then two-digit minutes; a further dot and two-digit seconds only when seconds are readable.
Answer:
6.09
